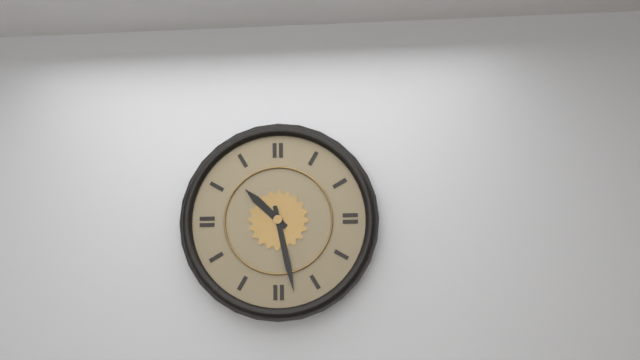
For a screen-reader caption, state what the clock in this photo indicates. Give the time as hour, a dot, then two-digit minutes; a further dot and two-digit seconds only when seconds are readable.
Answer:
10.28
